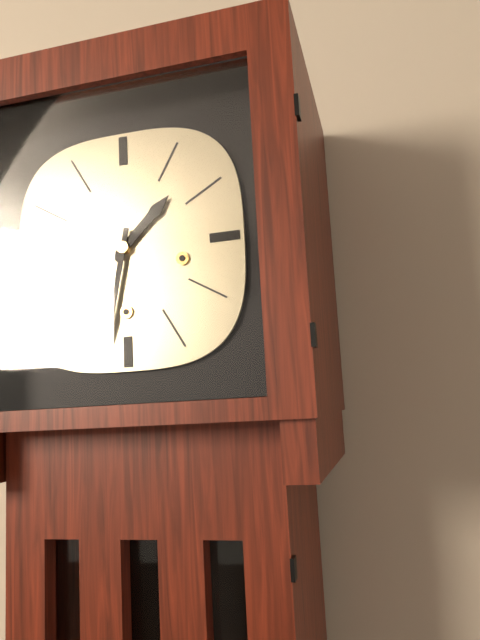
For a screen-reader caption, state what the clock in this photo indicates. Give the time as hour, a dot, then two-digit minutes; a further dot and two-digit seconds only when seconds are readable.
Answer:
1.32
